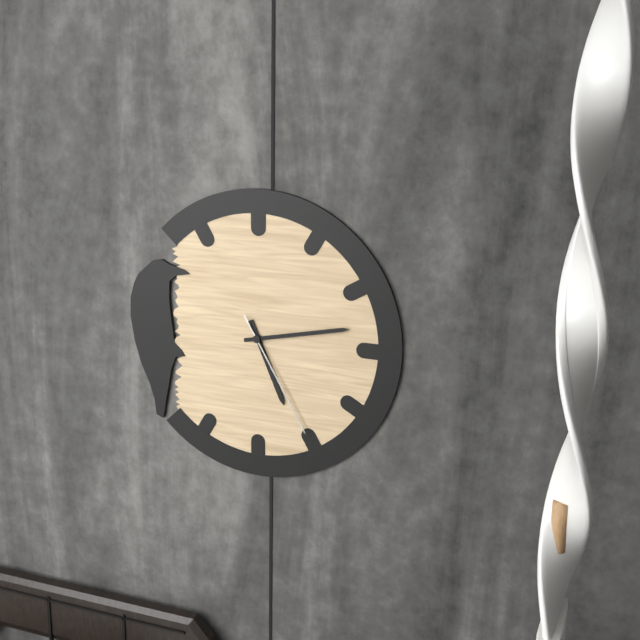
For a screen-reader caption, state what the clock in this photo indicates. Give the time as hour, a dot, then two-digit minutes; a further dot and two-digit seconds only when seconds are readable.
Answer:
5.13.25
